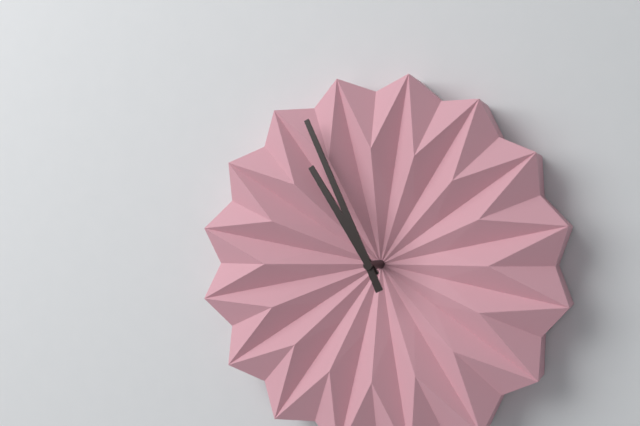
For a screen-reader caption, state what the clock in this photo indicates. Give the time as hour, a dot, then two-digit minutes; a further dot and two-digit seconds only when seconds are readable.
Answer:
10.56
